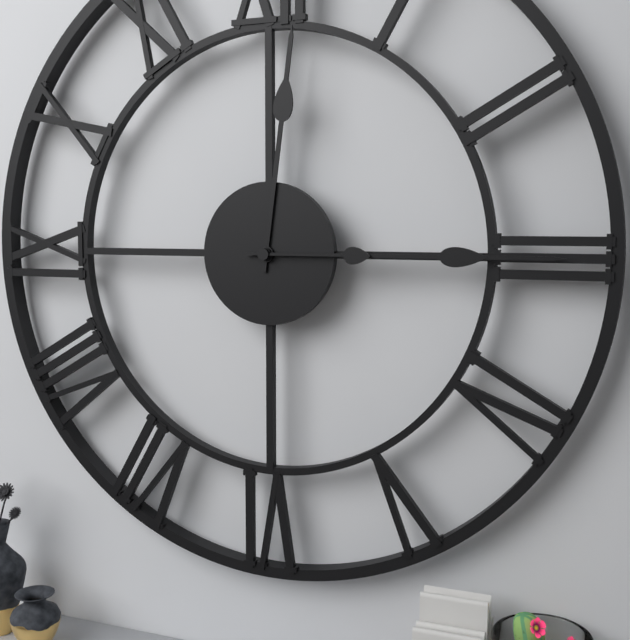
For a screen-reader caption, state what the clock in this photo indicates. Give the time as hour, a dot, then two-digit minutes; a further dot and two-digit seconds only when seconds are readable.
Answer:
12.15.15
